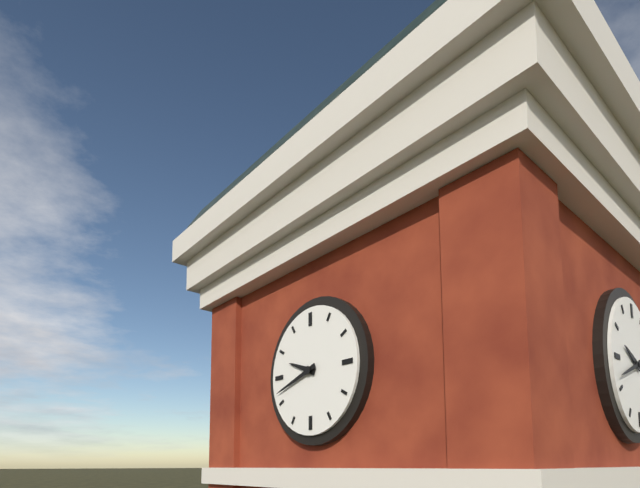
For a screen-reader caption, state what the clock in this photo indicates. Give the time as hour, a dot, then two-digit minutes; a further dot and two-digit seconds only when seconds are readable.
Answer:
9.42
